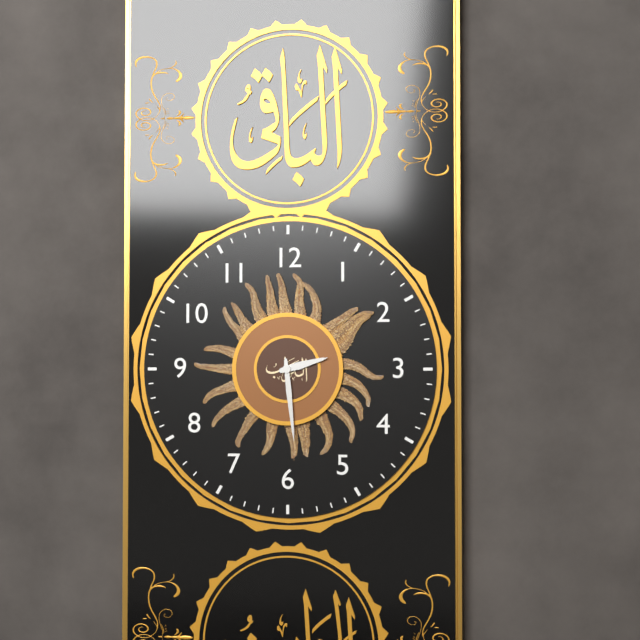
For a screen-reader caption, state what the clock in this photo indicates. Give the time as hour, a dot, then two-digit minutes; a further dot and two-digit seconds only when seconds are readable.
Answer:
2.29
